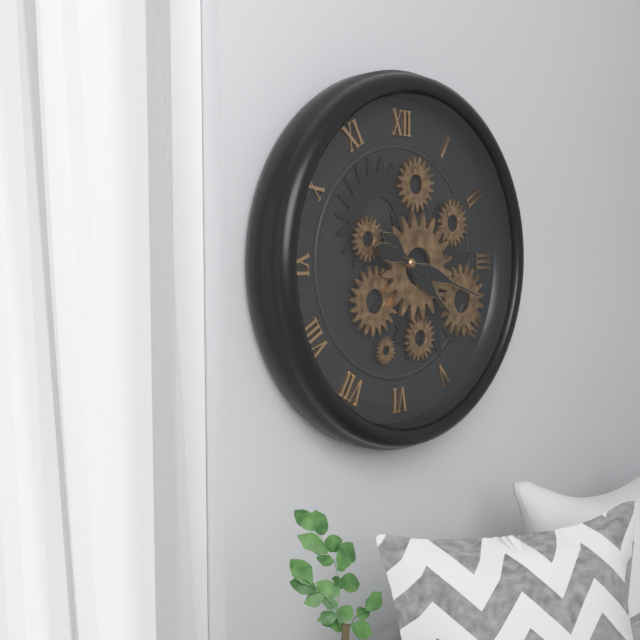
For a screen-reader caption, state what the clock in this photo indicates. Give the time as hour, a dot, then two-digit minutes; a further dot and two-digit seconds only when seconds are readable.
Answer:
4.18
